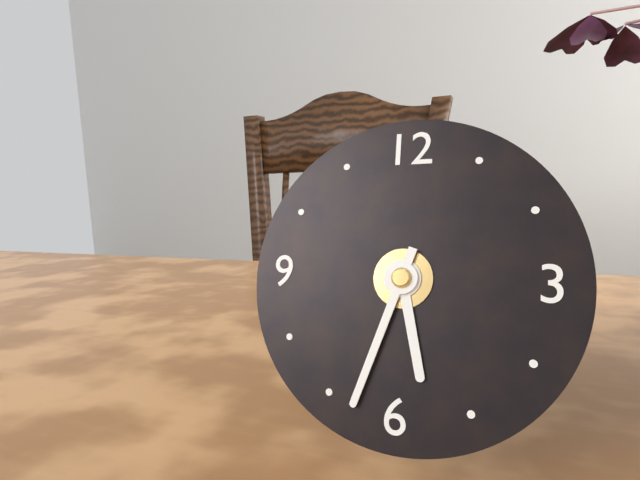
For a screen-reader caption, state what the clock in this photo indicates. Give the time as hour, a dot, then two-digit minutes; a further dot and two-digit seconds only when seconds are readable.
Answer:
5.33
